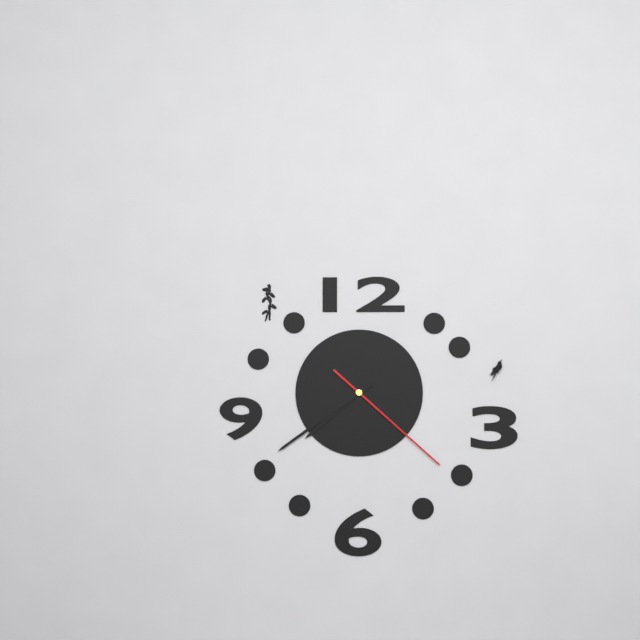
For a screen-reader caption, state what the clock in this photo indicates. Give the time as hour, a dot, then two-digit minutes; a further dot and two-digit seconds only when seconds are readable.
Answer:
7.39.22
